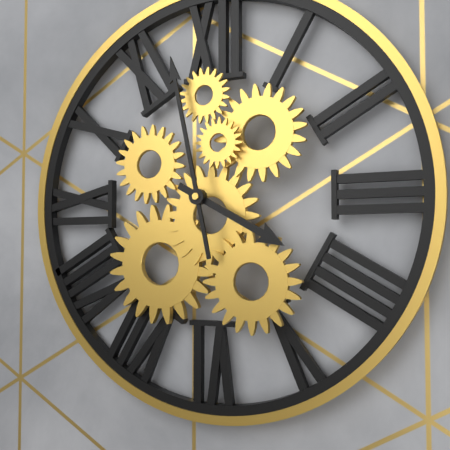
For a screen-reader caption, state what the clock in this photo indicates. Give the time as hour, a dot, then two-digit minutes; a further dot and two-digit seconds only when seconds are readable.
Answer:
3.58
